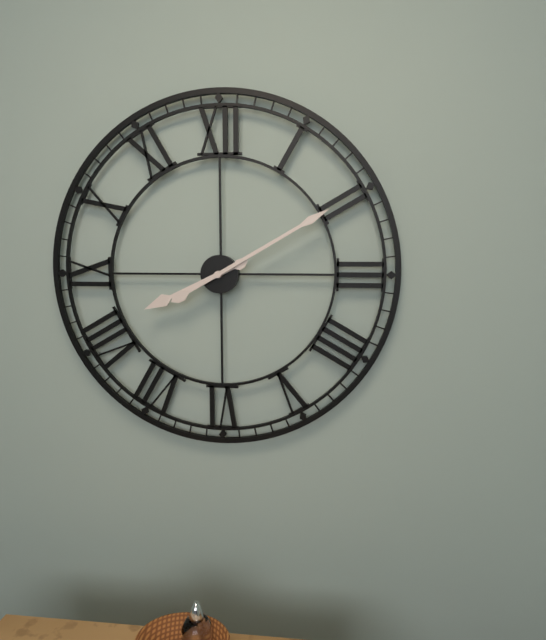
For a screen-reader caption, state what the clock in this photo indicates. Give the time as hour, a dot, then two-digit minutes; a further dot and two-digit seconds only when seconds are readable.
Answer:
8.10
